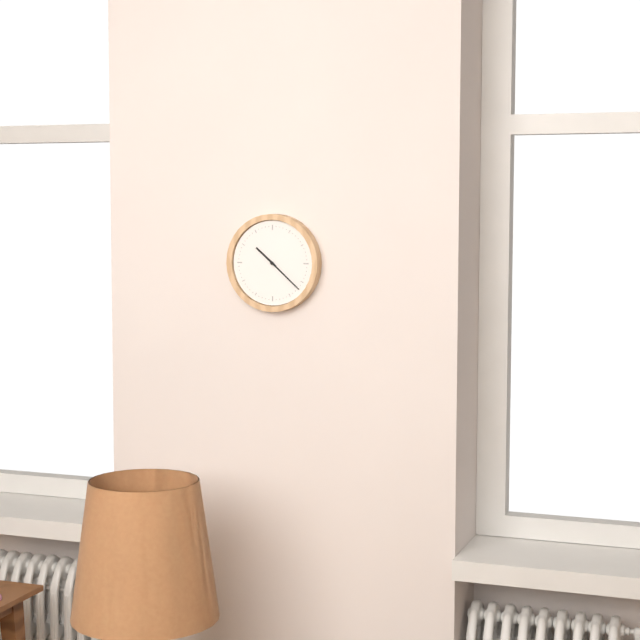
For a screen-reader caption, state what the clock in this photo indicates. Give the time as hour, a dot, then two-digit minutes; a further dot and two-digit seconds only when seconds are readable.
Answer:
10.22
